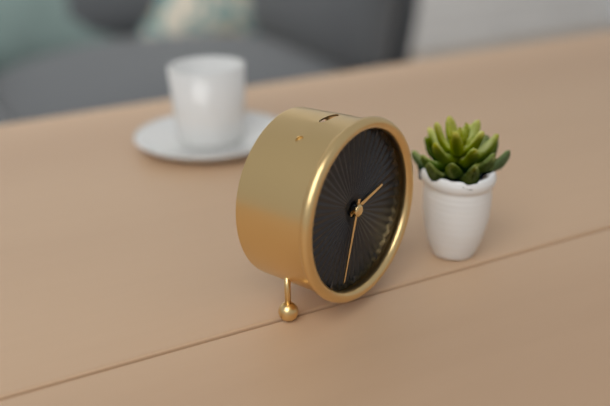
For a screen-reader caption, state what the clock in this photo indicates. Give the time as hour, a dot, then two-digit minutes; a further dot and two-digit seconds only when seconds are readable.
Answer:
2.33
